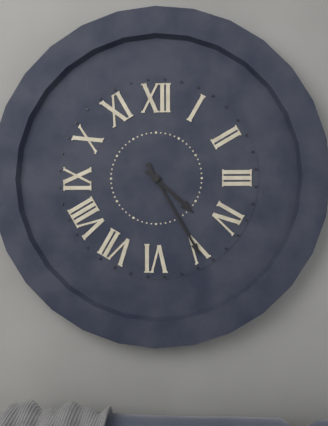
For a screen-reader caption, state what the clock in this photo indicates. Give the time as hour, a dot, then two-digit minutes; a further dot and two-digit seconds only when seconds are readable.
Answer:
4.25
